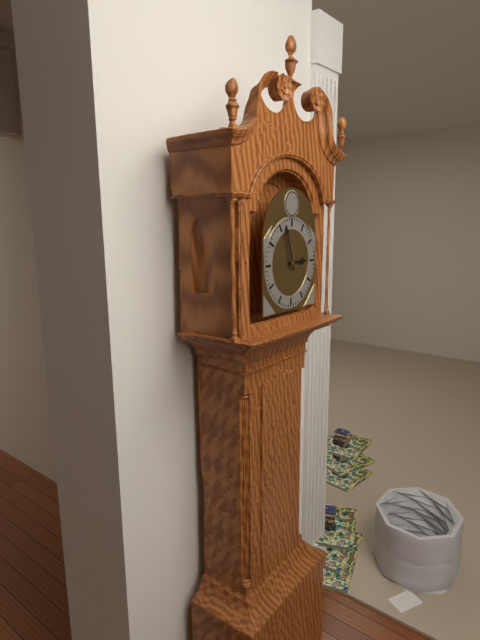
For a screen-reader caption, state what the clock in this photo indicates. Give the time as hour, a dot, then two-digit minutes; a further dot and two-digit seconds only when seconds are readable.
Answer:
2.57
